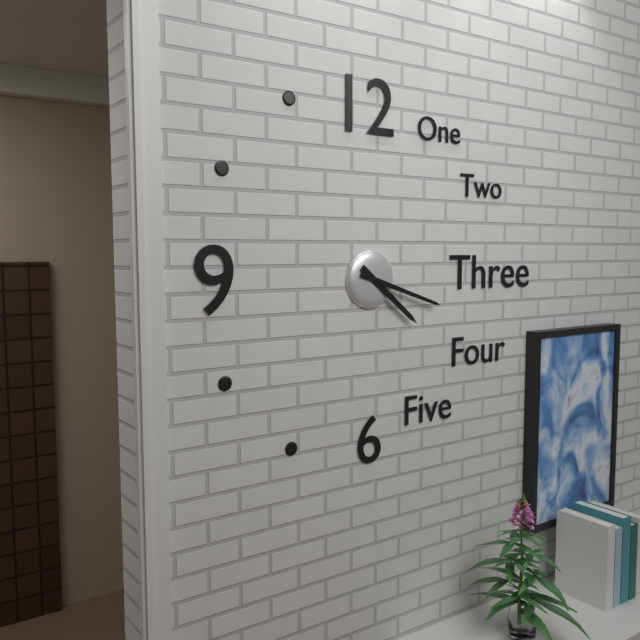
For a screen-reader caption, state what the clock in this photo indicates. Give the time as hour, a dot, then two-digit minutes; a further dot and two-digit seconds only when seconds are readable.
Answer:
4.18
